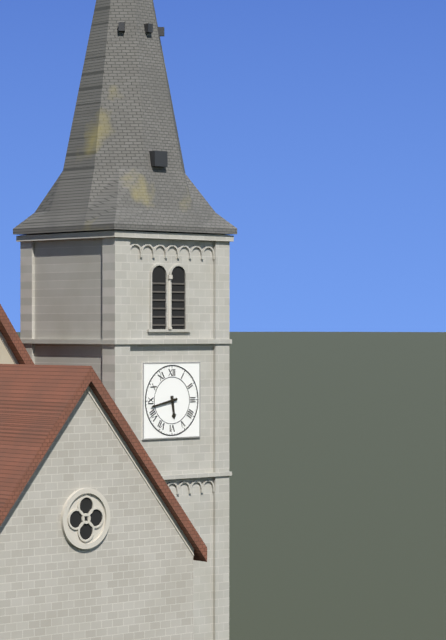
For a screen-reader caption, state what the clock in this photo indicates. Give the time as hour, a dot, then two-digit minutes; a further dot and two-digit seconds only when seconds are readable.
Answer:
5.43
